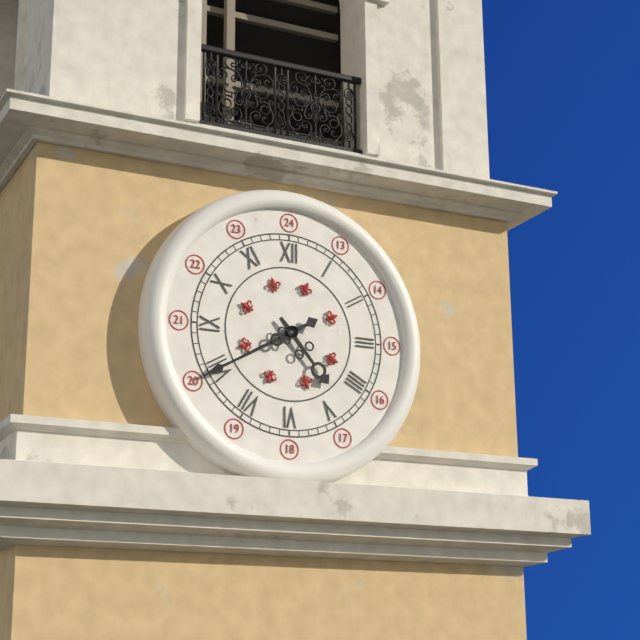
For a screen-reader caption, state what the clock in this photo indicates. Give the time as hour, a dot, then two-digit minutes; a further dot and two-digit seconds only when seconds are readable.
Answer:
4.40
